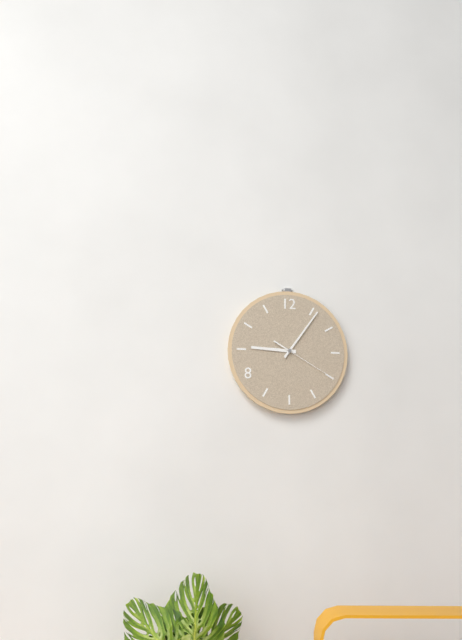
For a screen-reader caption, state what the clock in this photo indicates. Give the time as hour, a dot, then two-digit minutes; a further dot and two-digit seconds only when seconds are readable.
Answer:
9.06.20
